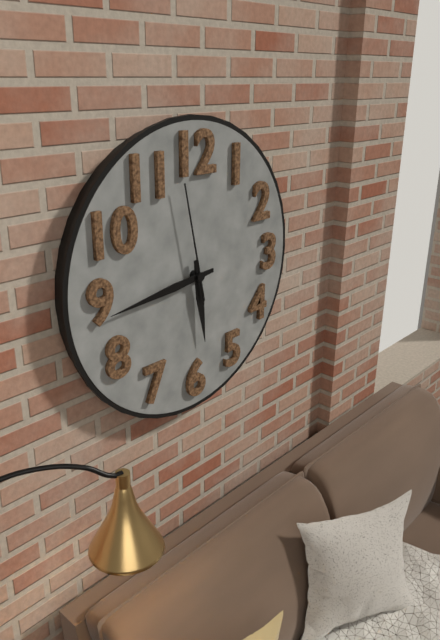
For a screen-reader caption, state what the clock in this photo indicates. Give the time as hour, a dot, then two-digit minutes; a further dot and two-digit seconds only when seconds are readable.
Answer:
5.44.58
